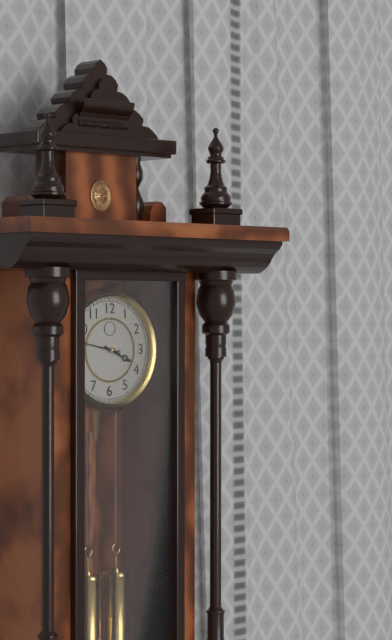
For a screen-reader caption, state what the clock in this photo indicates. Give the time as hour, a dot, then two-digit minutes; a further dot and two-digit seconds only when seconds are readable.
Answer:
3.47
